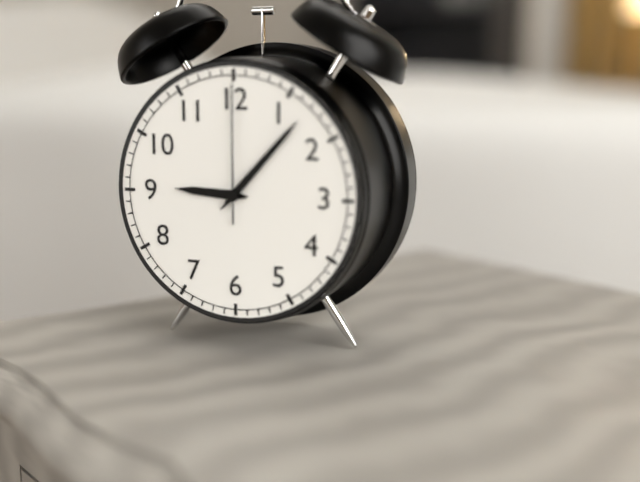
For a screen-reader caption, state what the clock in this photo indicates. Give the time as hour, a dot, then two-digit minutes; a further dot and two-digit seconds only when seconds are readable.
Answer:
9.07.00
